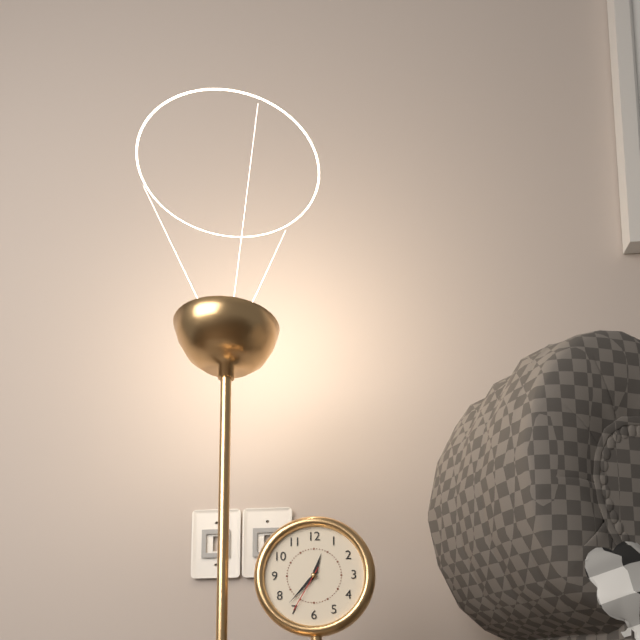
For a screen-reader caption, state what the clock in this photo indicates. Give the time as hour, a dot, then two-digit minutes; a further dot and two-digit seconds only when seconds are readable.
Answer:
12.37.35
